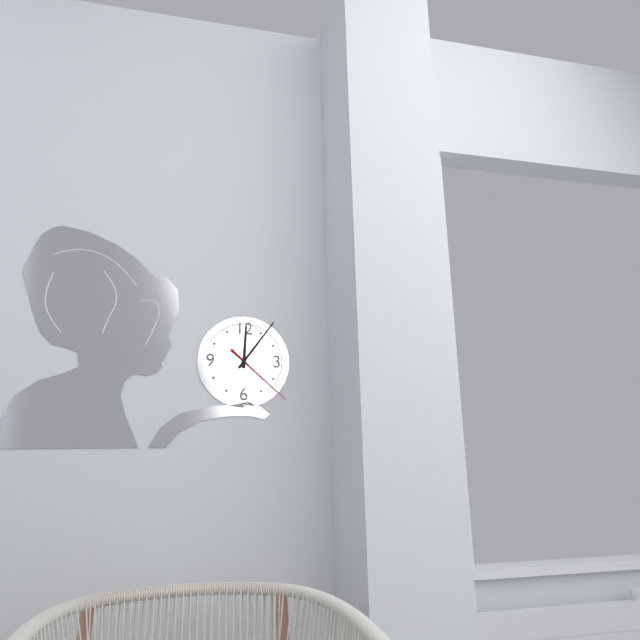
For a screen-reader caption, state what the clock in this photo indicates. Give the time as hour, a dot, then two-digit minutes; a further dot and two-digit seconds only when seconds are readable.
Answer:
12.06.22
